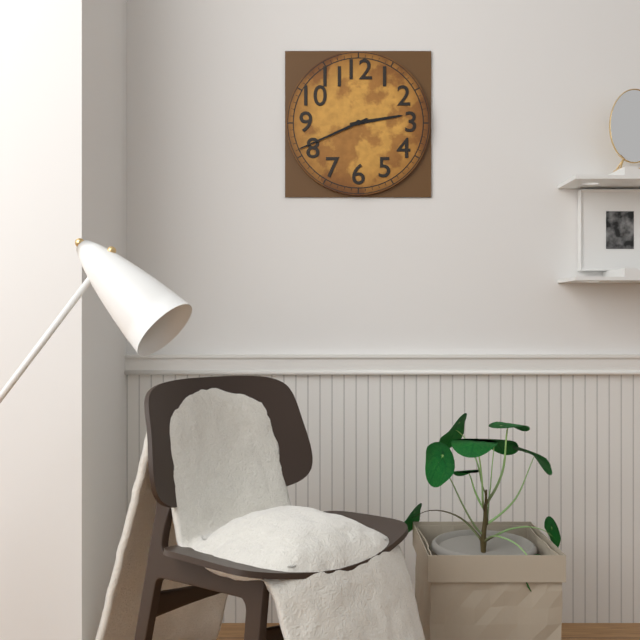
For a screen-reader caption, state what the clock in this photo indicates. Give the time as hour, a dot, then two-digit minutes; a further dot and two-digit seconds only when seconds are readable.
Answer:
2.41
